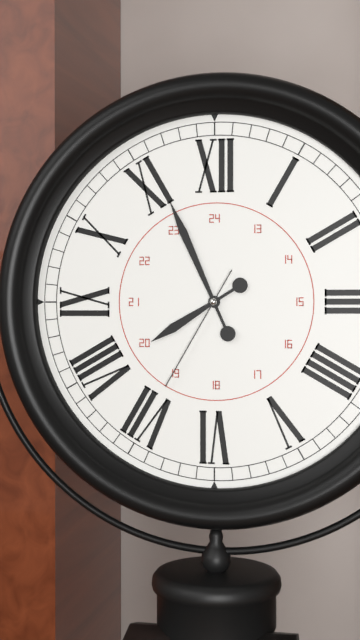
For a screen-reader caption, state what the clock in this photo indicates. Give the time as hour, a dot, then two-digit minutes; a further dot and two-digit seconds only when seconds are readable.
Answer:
7.56.35
